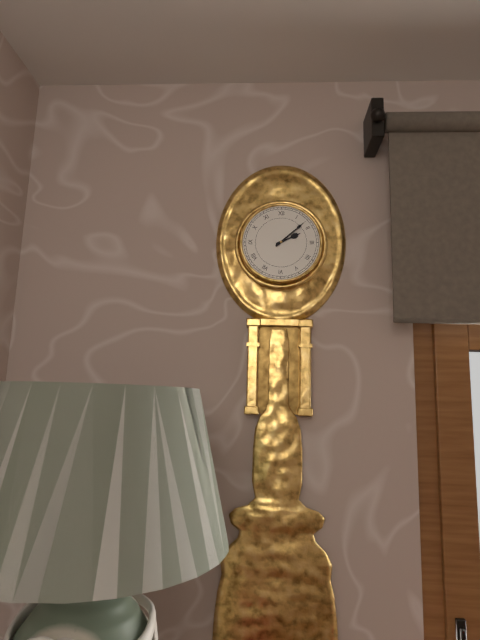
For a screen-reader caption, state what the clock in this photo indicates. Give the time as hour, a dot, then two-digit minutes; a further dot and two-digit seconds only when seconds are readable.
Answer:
2.08
